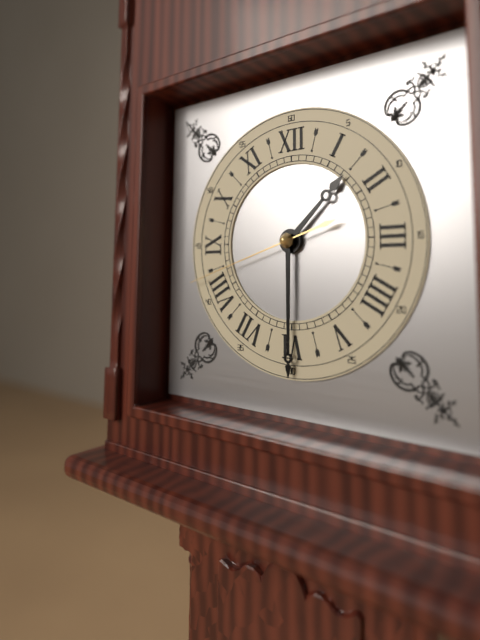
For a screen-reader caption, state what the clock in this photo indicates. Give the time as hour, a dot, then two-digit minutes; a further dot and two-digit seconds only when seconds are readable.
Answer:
1.30.42
